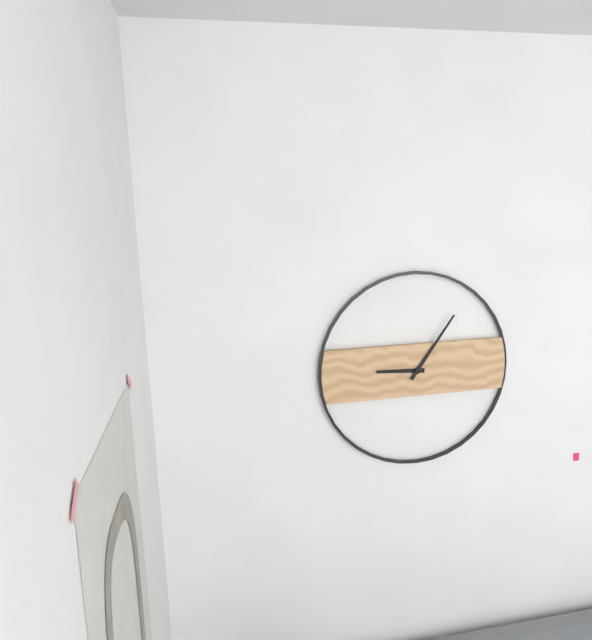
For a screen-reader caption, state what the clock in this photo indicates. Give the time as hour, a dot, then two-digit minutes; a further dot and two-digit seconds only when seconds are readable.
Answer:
9.06
